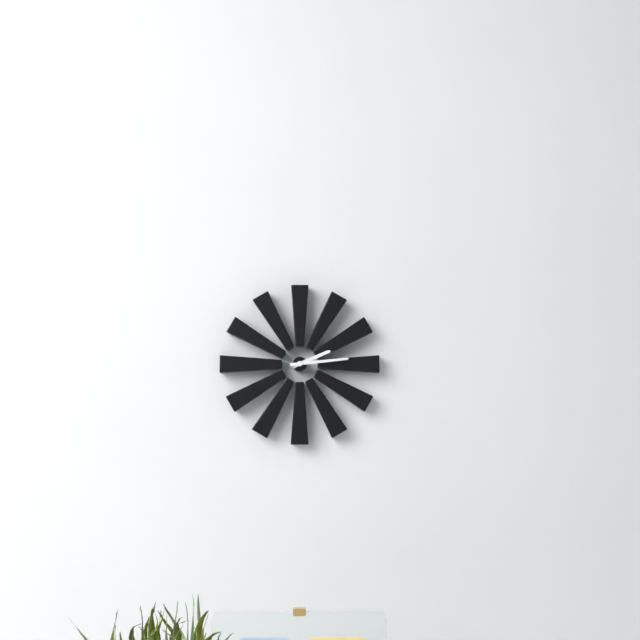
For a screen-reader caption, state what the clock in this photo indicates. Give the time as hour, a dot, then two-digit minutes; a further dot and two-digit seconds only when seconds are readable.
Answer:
2.14
